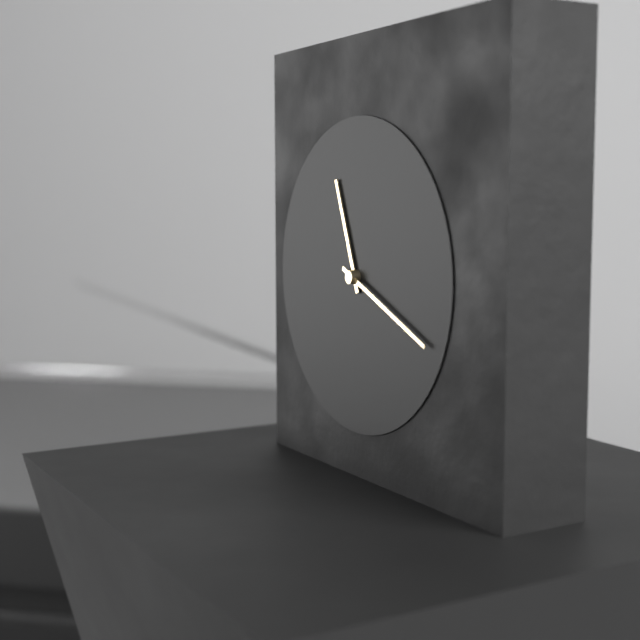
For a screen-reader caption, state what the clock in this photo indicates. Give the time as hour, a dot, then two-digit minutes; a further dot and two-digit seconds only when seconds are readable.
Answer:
11.19
